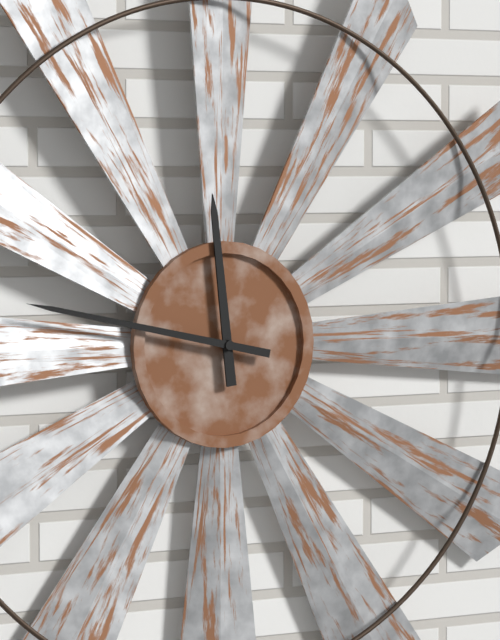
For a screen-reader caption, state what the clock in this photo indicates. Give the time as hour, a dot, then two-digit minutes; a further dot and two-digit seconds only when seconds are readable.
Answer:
11.47
